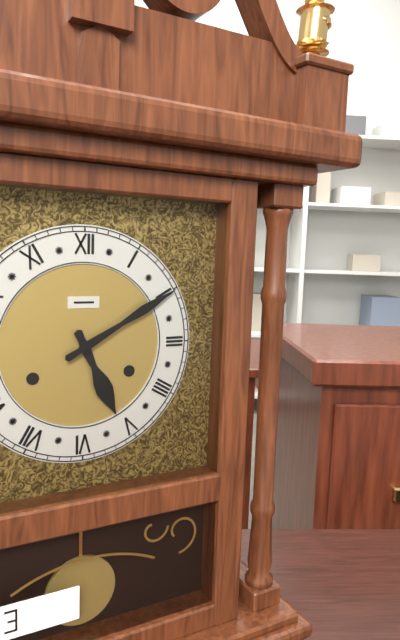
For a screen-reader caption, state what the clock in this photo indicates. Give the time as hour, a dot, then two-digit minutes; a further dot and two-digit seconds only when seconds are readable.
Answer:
5.10
